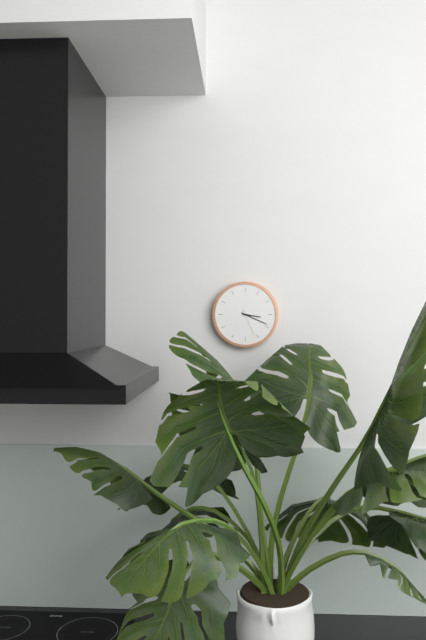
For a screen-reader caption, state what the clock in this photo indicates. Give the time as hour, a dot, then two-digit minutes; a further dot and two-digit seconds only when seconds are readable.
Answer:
3.19
